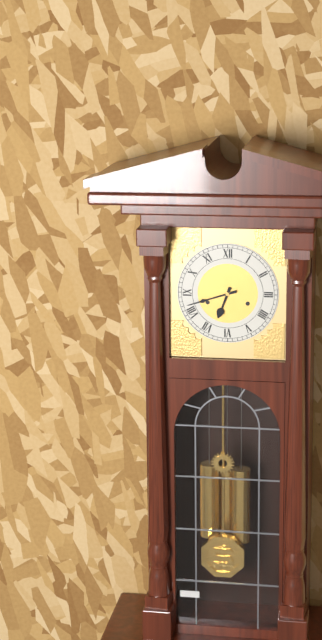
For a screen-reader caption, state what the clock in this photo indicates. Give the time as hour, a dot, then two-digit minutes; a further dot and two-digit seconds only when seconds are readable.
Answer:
6.42
